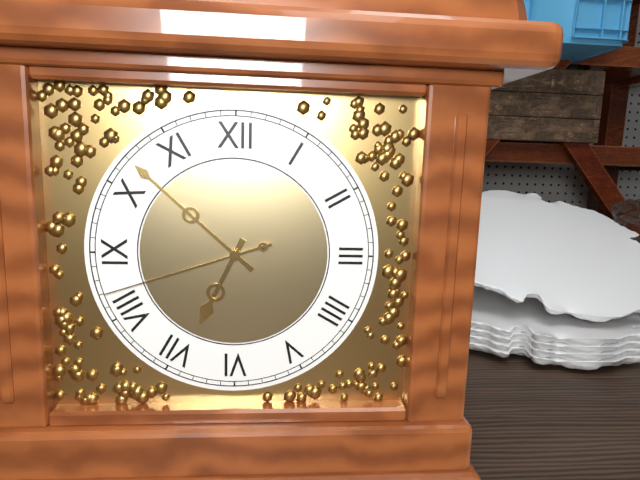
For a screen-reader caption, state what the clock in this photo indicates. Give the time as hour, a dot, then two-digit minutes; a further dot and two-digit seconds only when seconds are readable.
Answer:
6.52.42
